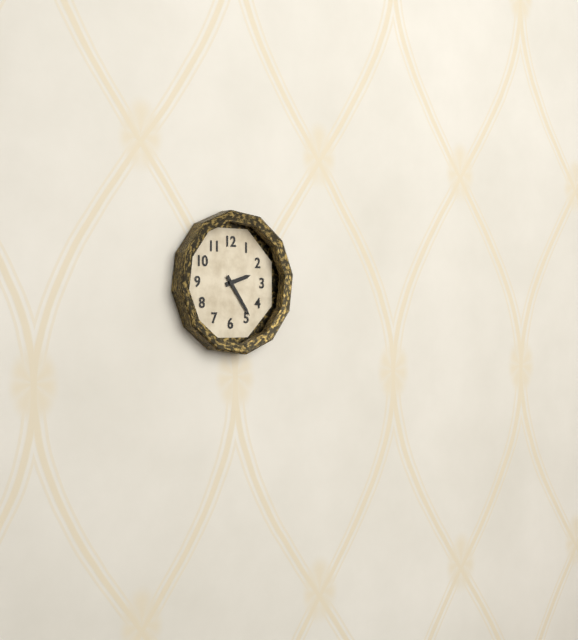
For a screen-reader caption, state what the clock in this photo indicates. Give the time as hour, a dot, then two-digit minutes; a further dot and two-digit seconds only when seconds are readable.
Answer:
2.24
